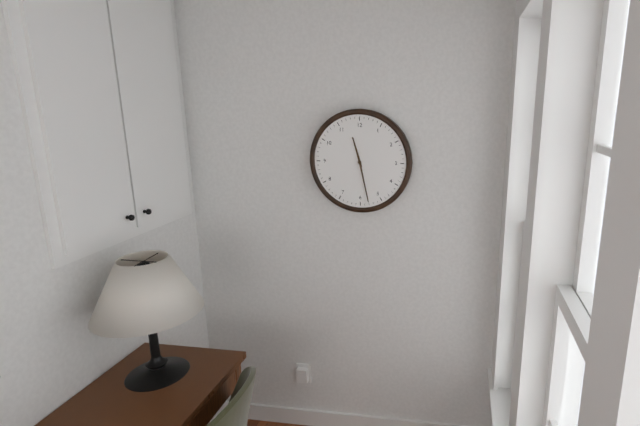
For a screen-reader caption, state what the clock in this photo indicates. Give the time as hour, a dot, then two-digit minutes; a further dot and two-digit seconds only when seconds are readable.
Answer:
11.28
